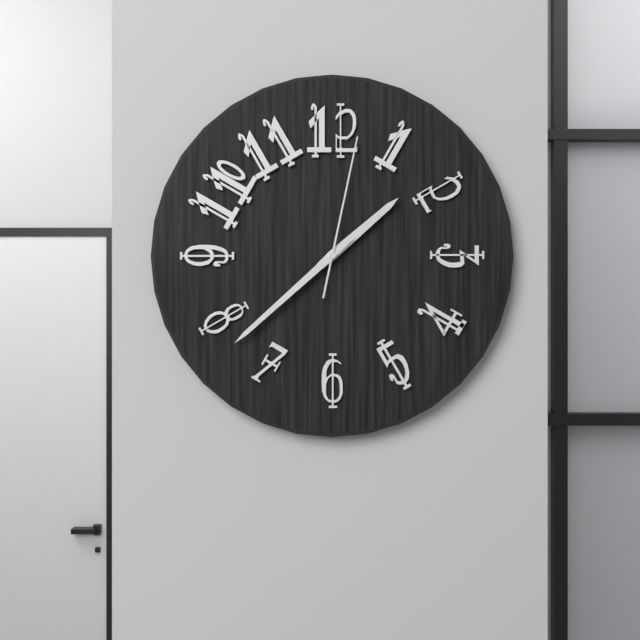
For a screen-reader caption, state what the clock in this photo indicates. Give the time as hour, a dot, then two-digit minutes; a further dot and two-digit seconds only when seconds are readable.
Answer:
1.38.02
